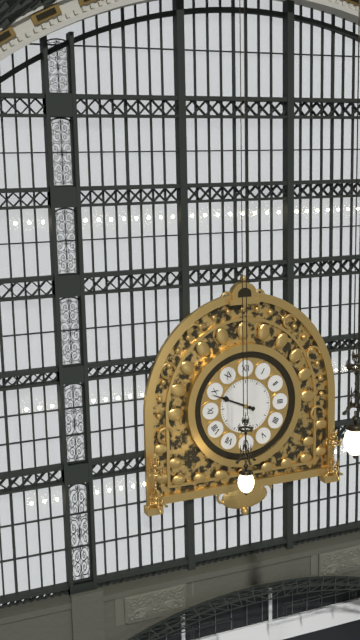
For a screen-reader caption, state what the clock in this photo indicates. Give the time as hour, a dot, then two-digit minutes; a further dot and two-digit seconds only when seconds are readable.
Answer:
9.49
